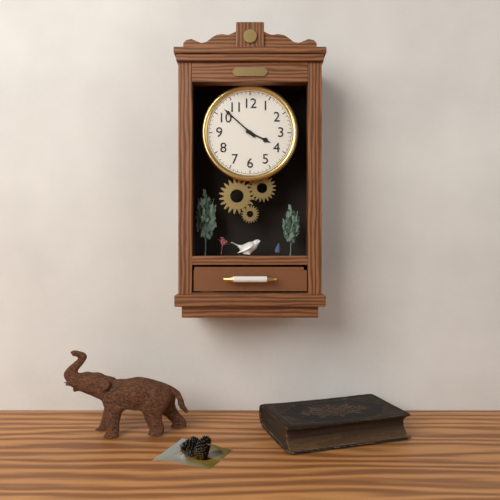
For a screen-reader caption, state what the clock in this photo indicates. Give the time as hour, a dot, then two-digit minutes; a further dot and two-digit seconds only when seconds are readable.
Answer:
3.52
